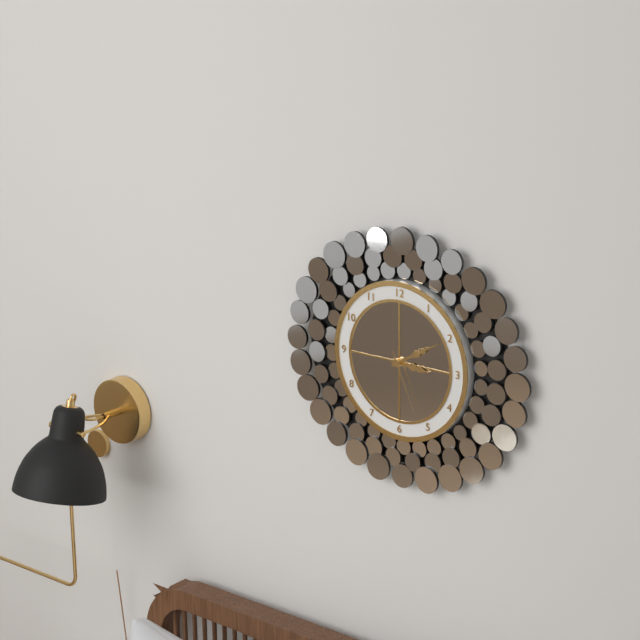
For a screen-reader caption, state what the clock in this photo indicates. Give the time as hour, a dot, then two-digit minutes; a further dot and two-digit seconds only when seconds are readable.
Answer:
3.10.26
